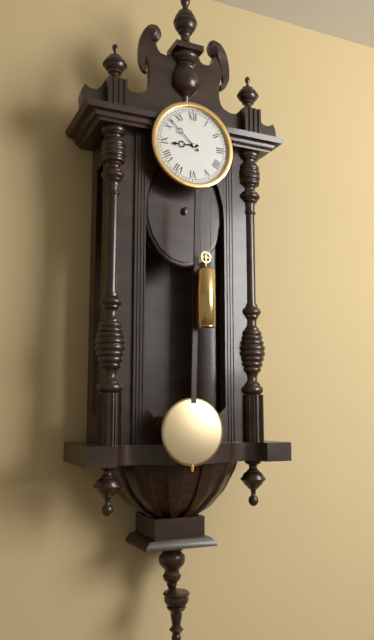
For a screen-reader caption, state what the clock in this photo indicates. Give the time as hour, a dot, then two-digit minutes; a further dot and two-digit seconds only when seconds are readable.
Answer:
8.52
